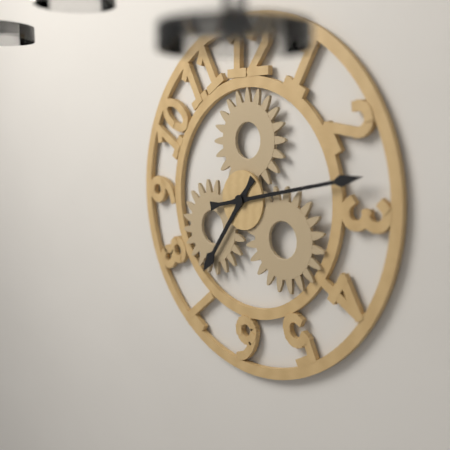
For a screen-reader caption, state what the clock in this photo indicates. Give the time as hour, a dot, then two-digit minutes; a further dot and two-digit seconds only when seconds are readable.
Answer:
7.13
